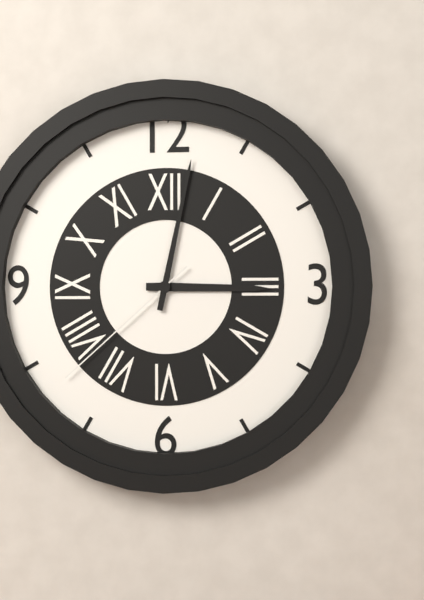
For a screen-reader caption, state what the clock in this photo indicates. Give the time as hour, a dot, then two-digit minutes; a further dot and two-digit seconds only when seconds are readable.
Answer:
3.02.38
